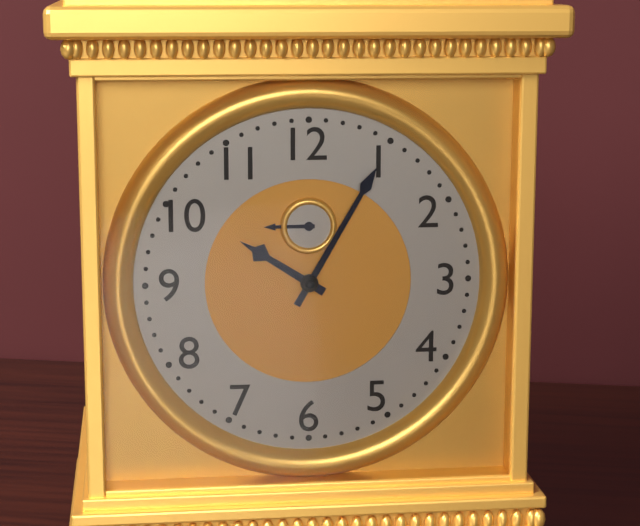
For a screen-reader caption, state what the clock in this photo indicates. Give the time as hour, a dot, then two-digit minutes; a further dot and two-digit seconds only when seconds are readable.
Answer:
10.05
